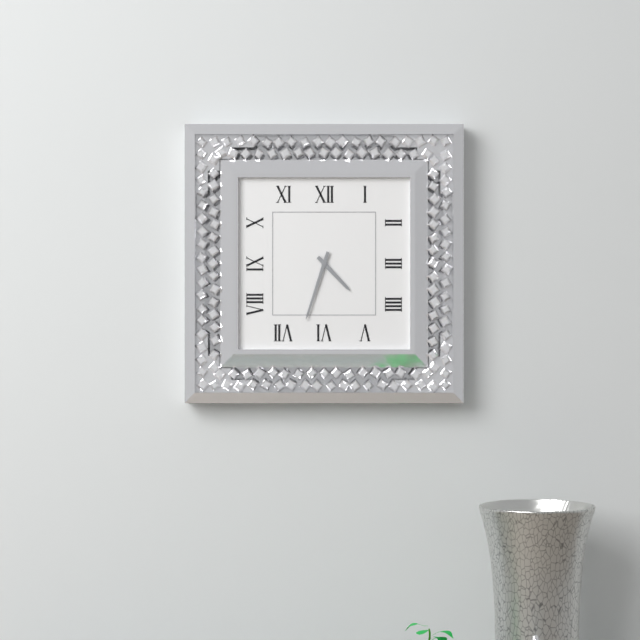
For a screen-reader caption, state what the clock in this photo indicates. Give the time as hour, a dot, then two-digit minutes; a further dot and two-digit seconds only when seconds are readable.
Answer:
4.33
